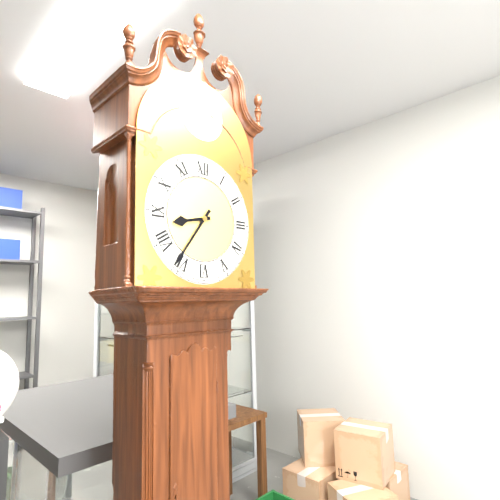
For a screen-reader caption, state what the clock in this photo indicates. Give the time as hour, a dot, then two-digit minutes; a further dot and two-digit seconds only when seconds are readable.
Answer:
8.36
